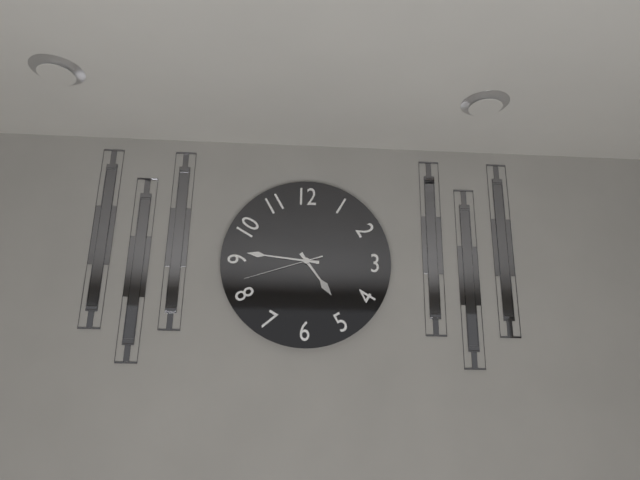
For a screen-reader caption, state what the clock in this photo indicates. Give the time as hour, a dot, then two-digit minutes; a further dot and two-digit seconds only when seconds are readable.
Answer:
4.46.42
